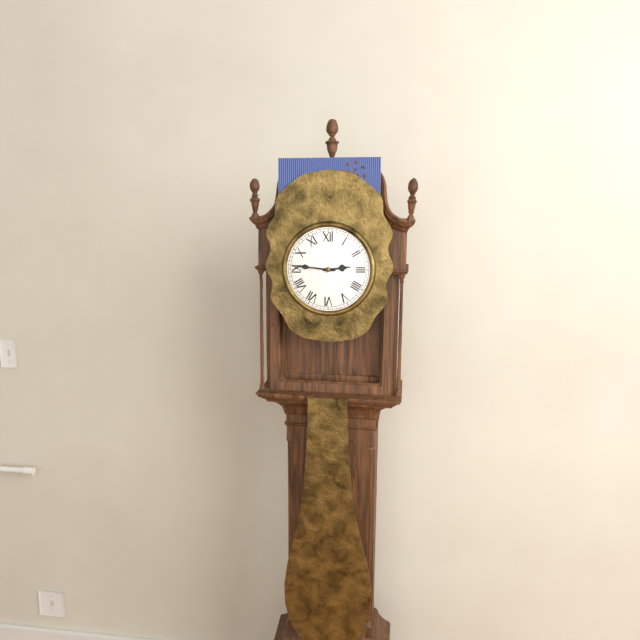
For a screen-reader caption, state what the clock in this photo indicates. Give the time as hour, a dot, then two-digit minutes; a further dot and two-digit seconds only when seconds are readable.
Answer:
2.46
